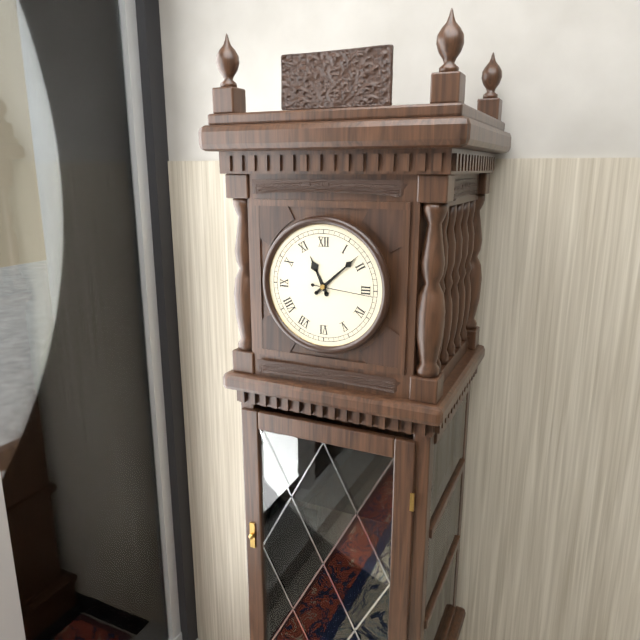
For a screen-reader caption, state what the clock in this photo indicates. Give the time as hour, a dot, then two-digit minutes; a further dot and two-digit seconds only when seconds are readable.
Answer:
11.08.16
